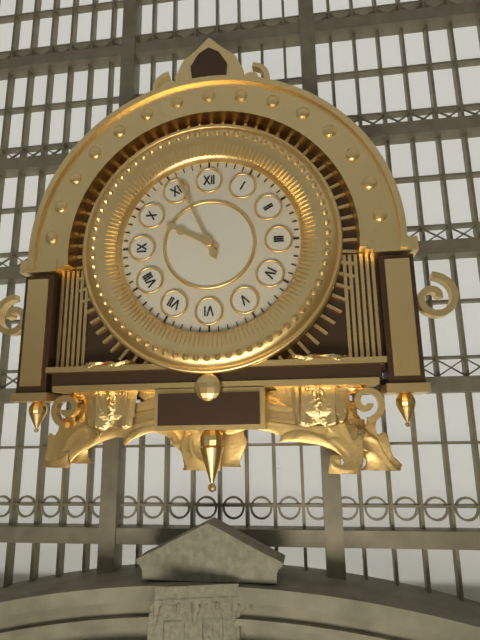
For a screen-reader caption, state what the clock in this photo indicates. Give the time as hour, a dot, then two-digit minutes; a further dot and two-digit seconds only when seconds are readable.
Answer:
9.56
